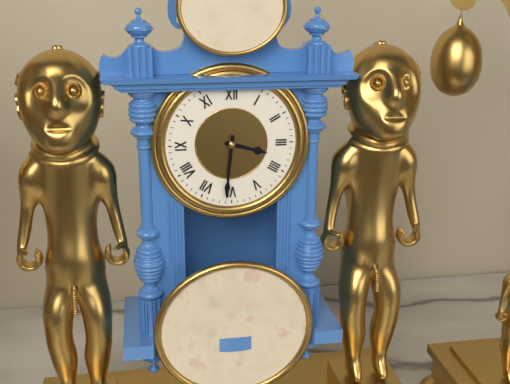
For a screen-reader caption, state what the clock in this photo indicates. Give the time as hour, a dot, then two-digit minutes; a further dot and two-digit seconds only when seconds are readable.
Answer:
3.31
